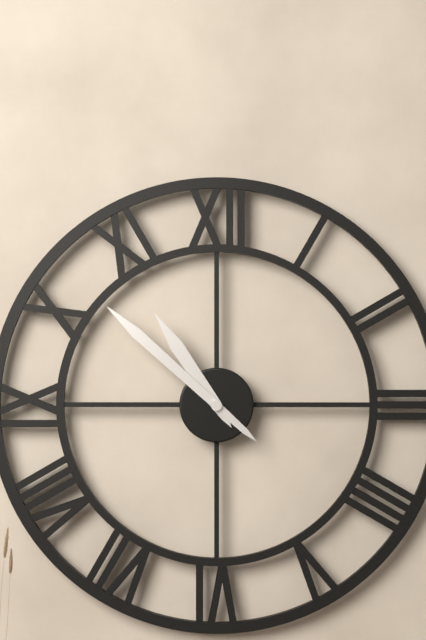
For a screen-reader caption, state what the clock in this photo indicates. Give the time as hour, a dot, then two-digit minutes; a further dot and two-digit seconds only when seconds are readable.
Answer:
10.52
